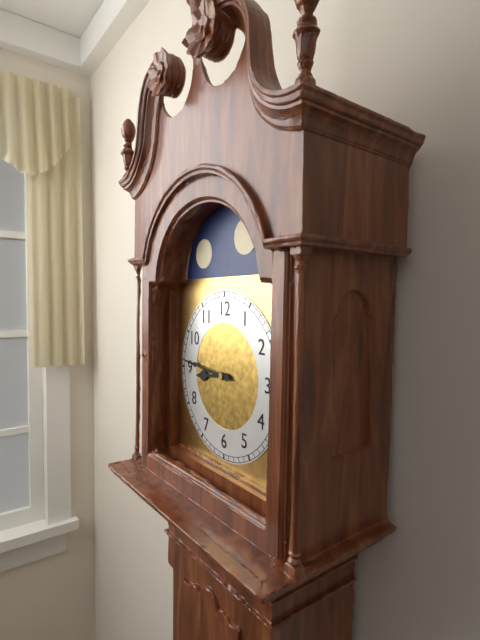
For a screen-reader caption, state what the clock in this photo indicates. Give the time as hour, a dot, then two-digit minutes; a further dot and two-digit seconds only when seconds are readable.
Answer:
8.46
